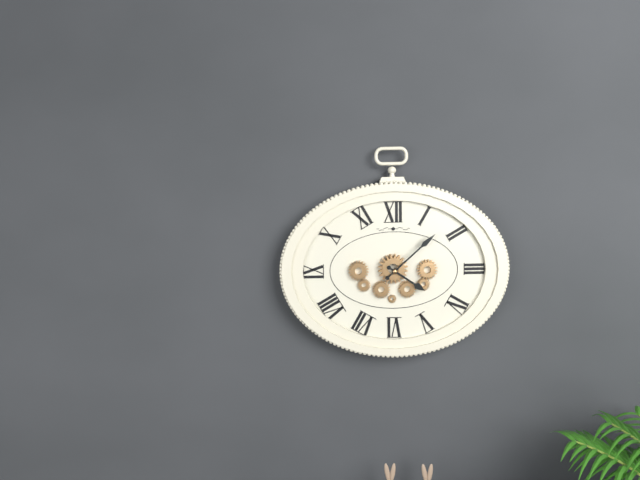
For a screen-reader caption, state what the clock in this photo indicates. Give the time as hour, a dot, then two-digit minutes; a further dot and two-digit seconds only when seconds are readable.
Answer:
4.08
